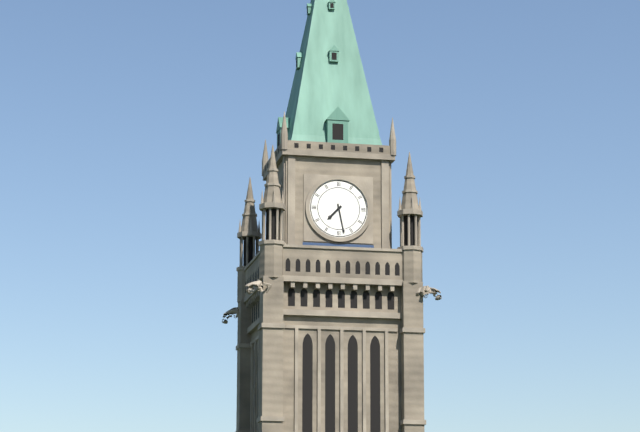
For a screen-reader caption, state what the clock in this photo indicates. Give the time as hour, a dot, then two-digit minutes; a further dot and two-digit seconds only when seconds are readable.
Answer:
7.28
